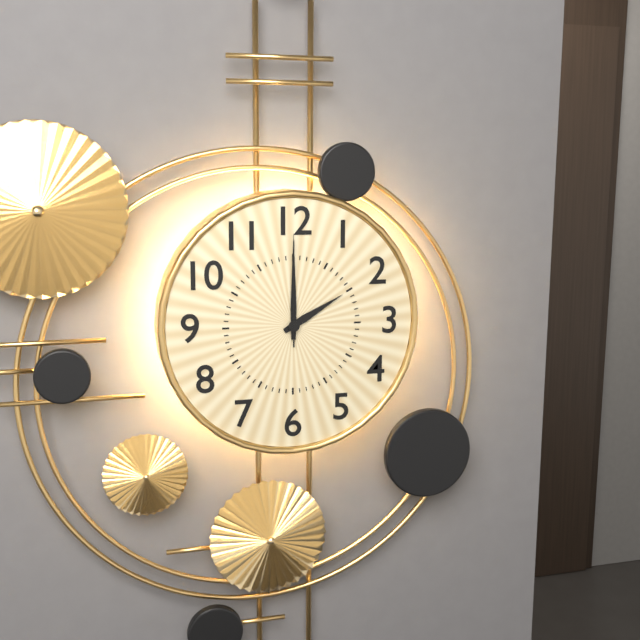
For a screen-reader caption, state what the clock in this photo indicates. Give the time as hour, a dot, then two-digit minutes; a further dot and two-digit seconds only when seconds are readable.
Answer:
2.00.00
